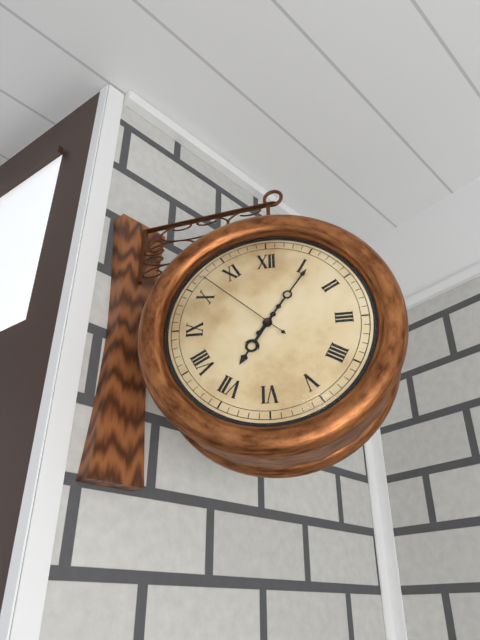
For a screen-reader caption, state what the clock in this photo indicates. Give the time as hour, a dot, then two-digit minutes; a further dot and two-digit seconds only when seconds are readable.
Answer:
7.06.52
